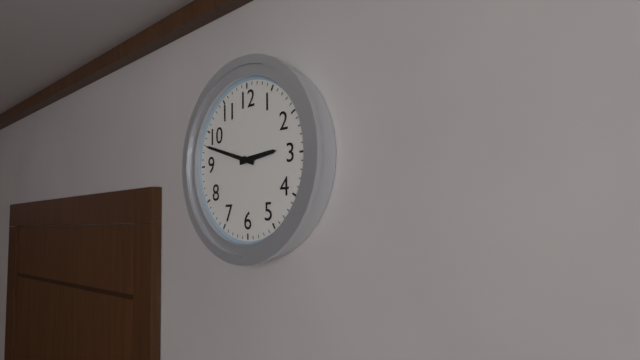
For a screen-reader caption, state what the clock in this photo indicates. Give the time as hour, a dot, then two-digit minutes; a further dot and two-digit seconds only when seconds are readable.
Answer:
2.48
